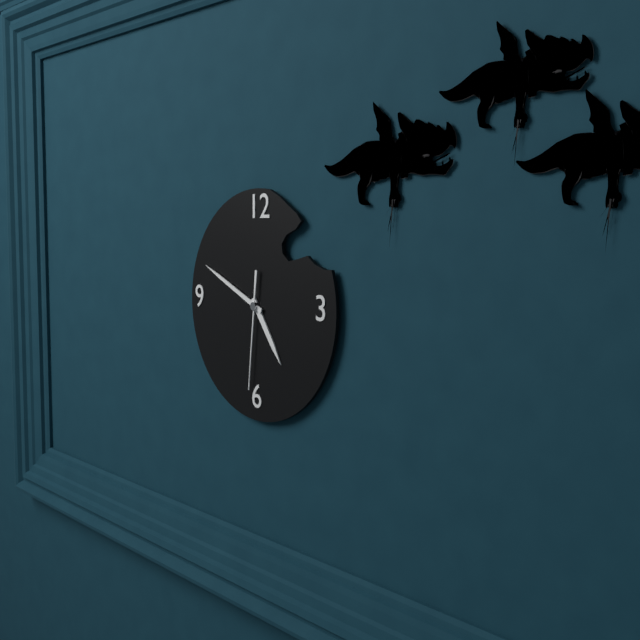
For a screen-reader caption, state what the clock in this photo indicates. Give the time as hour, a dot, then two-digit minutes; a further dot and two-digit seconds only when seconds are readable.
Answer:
4.49.31
